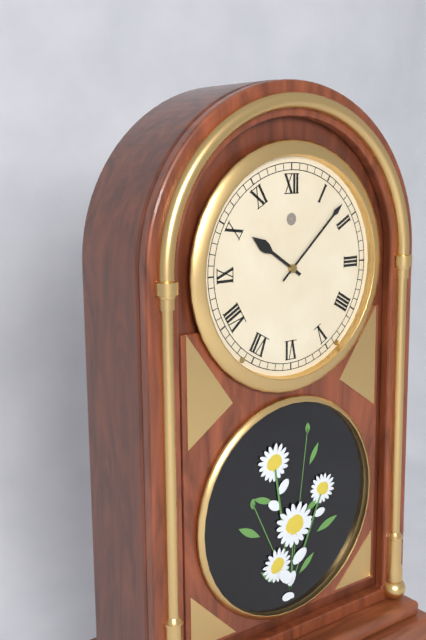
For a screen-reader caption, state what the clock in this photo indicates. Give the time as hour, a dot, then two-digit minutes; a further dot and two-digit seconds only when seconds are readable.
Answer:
10.08
